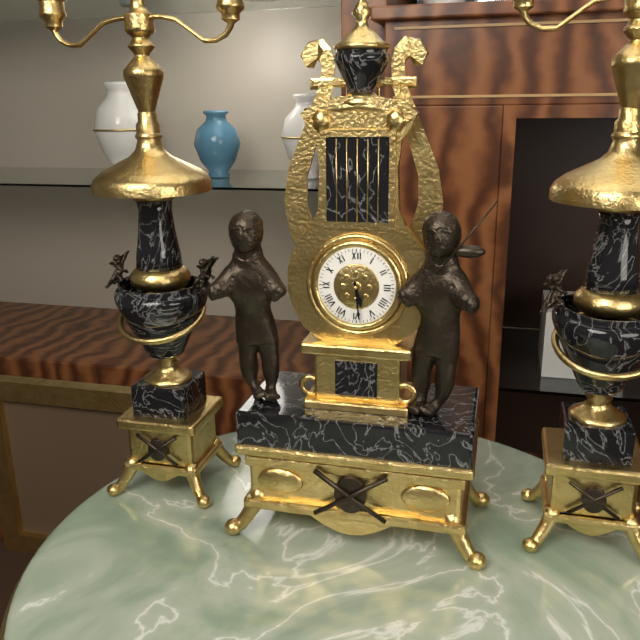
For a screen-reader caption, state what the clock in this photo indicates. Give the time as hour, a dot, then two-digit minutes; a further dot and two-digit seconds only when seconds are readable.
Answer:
5.29
